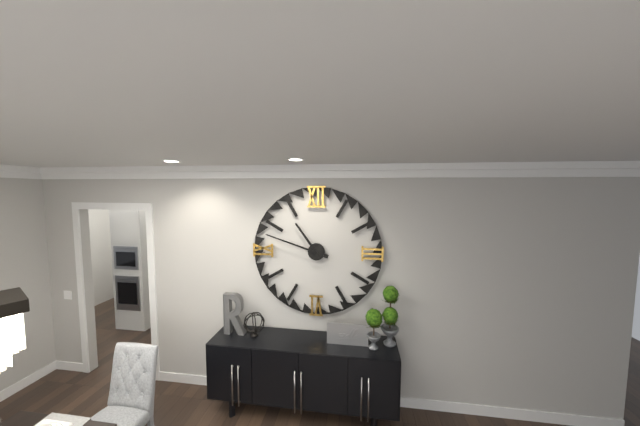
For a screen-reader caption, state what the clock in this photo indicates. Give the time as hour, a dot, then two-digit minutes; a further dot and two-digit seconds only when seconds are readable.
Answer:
10.48
